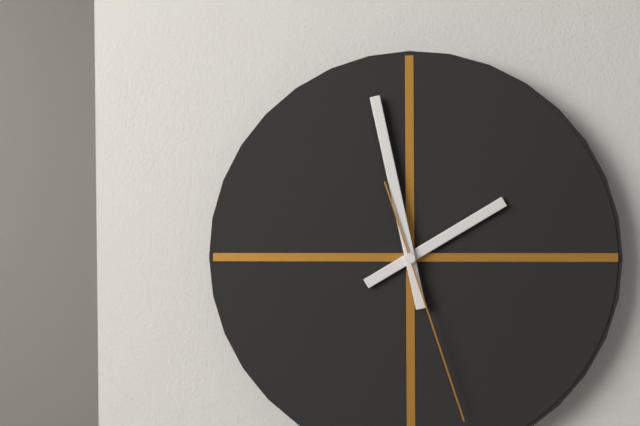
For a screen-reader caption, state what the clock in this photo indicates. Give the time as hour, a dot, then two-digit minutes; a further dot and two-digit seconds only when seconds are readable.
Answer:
1.58.27
